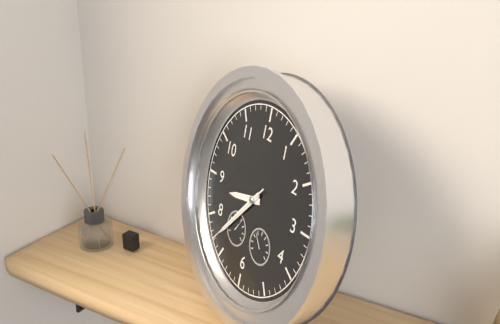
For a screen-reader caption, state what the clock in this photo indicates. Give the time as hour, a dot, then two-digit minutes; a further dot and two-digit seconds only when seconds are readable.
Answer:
8.37.37
